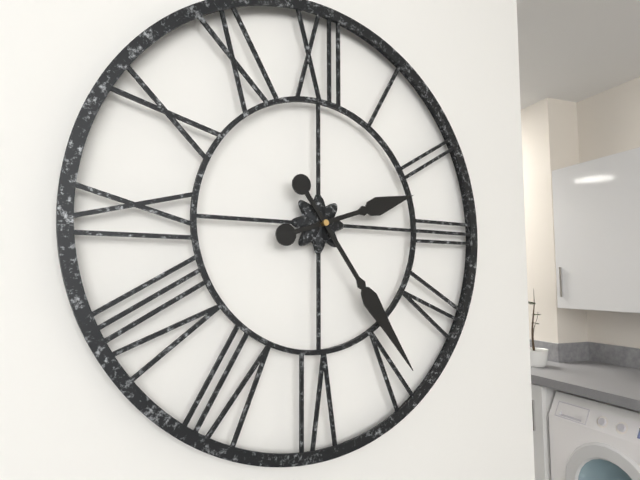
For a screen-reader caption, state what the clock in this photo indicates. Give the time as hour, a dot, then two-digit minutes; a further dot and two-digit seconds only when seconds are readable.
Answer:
2.24
